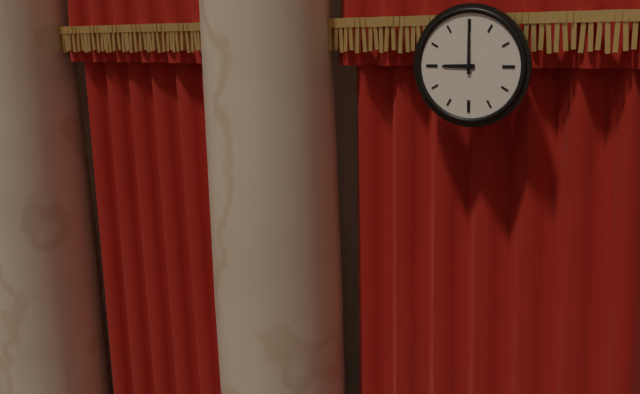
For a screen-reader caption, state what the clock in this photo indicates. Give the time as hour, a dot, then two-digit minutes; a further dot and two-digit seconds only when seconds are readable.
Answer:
9.00
